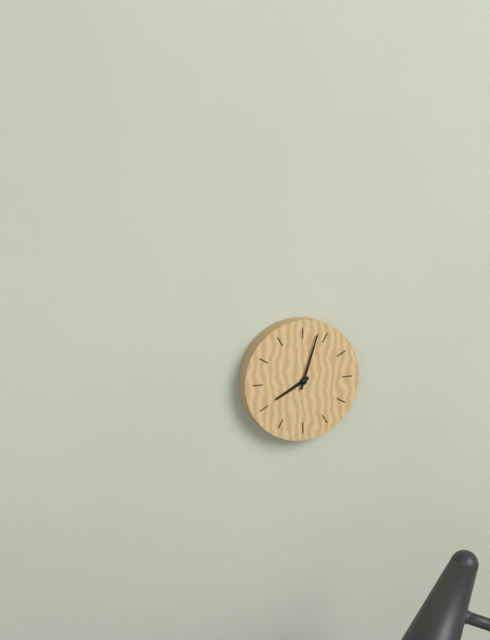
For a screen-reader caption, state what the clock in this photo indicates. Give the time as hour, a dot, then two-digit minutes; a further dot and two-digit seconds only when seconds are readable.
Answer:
8.03
